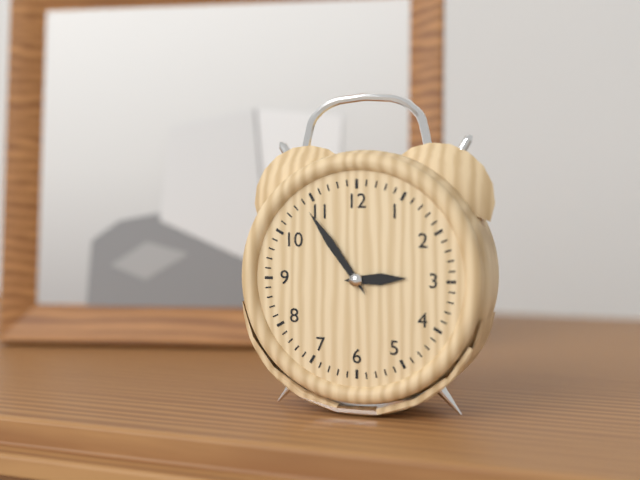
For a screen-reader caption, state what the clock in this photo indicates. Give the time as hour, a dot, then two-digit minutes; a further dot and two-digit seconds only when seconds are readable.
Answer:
2.54
